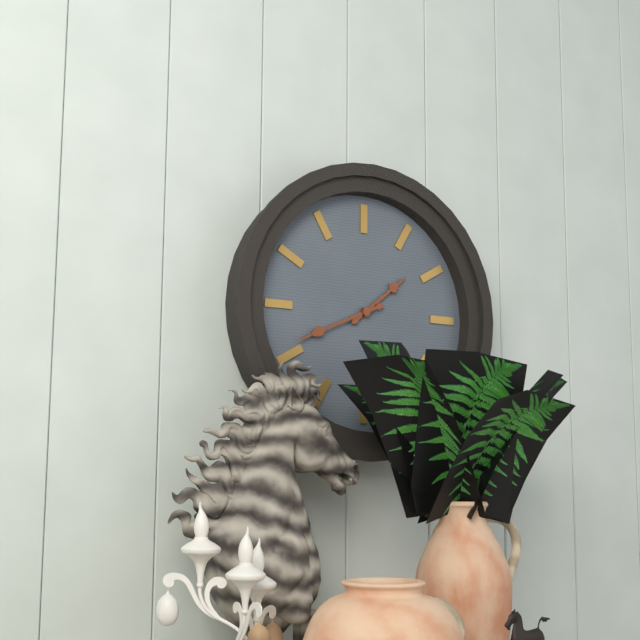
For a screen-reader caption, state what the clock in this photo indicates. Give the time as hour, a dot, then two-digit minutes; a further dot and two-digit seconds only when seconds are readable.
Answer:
1.41
